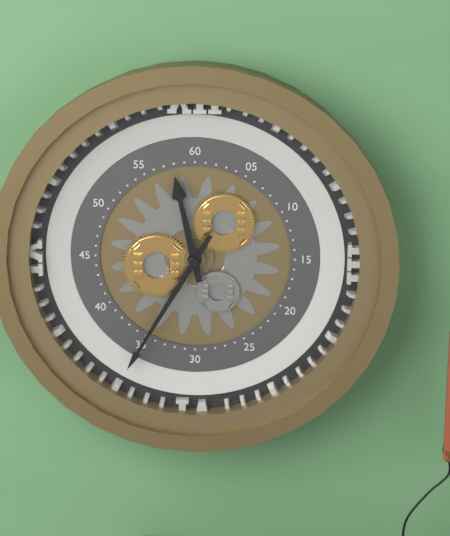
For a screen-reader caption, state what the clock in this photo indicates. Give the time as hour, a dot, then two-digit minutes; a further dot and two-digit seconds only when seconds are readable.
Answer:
11.35
